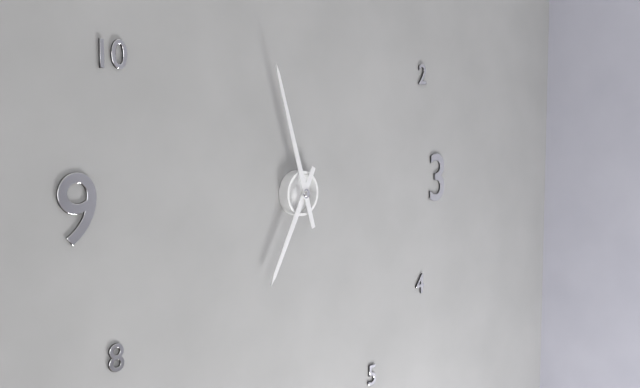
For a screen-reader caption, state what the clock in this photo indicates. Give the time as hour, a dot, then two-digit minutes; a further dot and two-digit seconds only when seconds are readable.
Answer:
6.57
